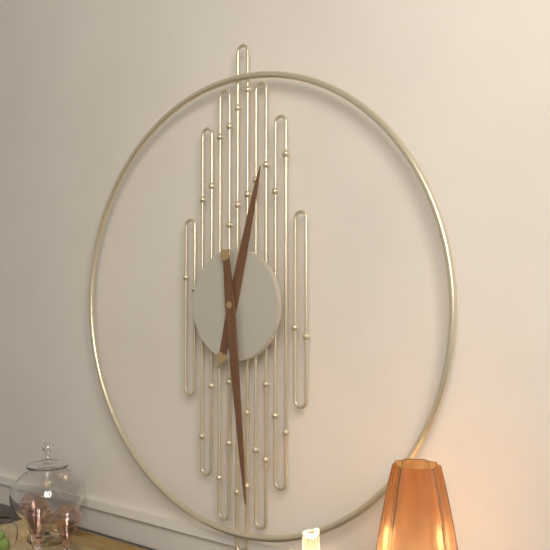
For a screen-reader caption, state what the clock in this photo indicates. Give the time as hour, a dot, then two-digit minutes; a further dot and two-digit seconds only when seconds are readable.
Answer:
12.29
